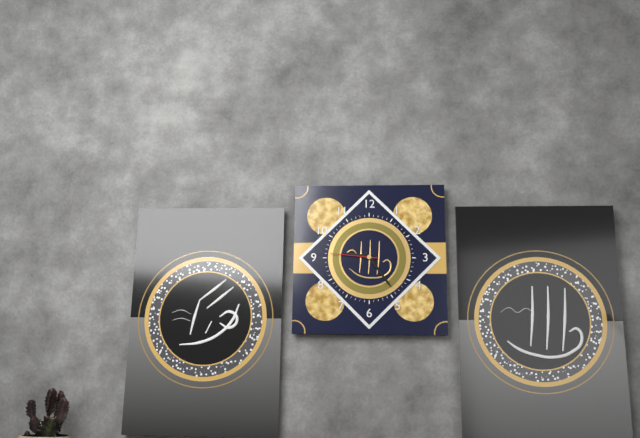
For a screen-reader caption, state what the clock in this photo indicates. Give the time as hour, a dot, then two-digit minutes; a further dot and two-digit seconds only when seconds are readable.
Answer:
9.24
